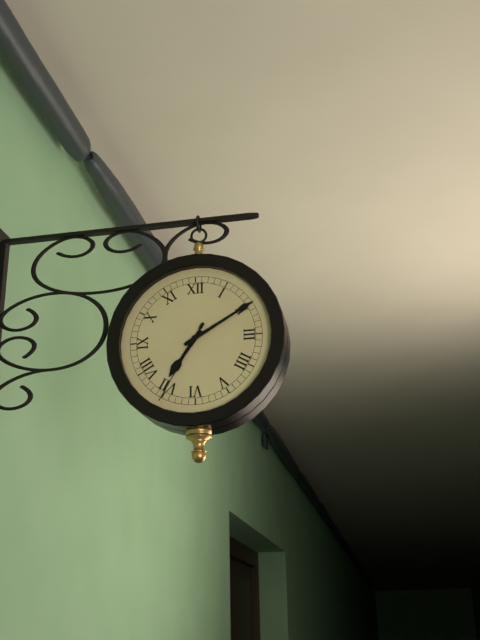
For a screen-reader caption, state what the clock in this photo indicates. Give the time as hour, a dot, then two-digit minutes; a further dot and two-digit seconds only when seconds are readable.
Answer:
7.10.35
